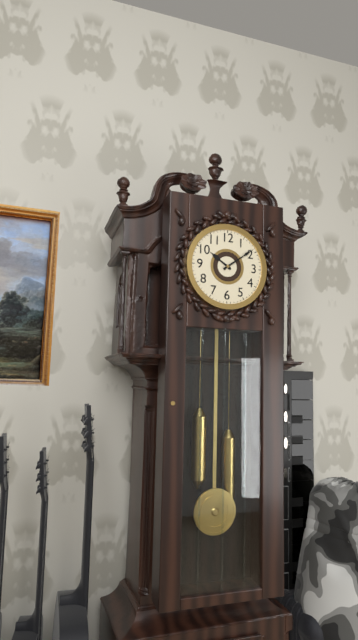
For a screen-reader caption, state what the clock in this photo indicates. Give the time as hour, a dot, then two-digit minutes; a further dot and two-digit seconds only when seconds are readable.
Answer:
10.09
